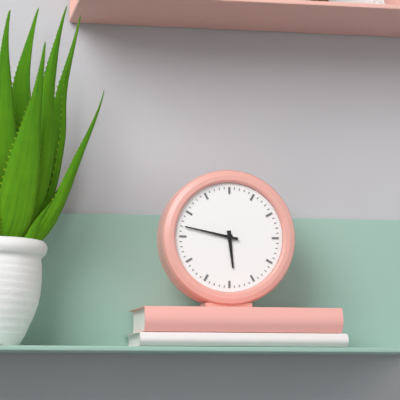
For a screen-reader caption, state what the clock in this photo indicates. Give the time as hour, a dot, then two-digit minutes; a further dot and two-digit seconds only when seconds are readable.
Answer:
5.47
